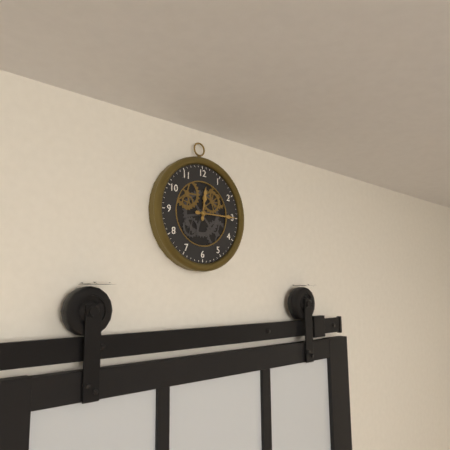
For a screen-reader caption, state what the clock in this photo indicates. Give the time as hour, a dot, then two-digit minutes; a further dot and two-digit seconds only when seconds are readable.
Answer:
12.15
